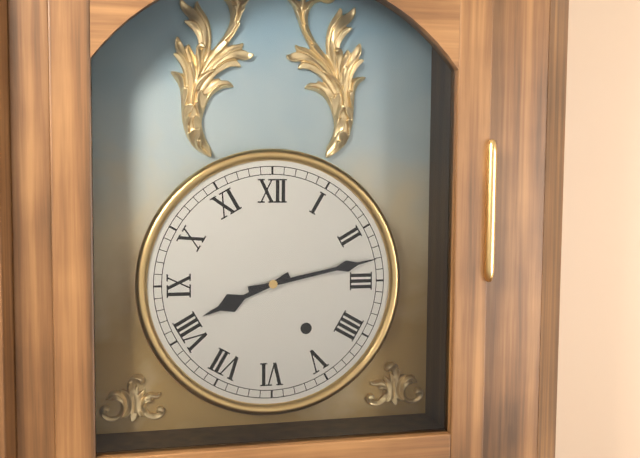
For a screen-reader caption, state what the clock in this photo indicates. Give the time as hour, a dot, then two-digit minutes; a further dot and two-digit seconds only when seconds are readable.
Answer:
8.13
